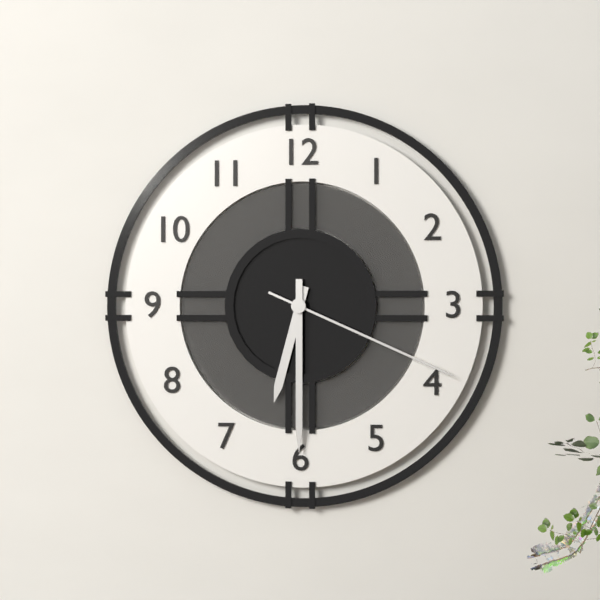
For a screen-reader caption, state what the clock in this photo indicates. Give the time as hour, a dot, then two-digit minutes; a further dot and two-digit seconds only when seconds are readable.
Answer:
6.30.19
